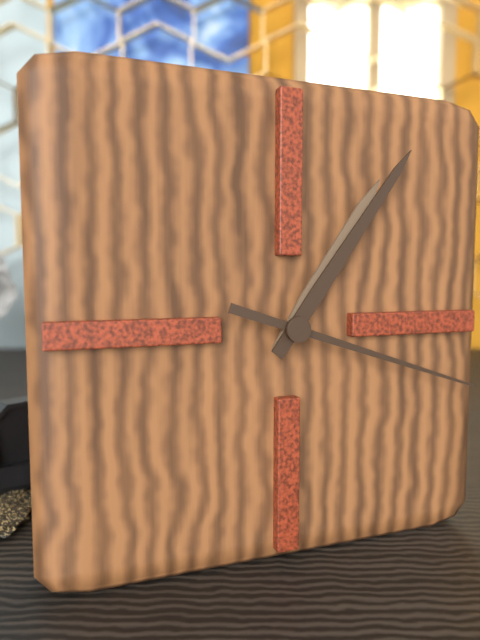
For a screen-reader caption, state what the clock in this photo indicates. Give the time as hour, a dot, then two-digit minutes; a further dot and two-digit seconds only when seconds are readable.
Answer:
1.06.18
